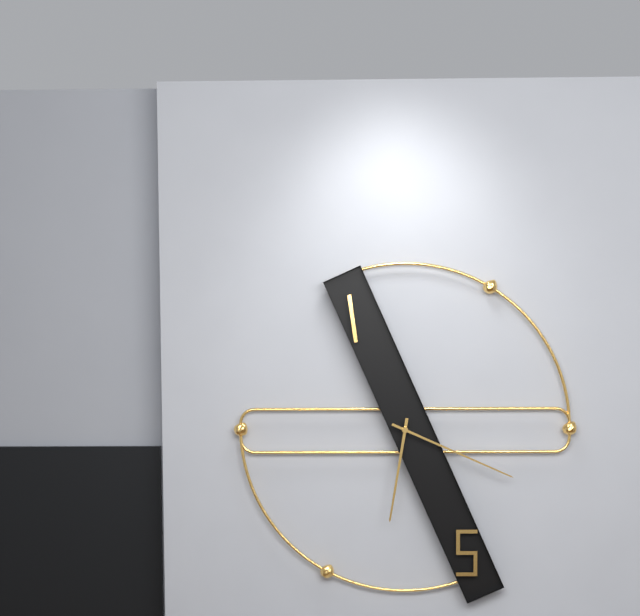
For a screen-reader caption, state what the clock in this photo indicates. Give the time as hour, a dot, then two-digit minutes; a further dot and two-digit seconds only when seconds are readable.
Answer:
6.19
